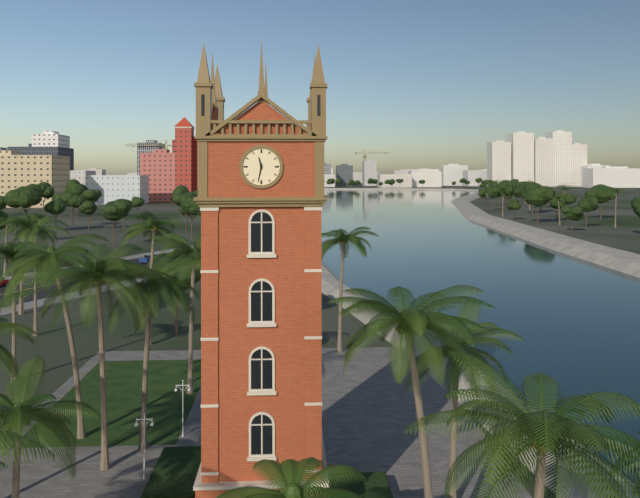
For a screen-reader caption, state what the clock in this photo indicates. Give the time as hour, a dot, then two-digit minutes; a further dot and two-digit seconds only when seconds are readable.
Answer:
11.32
